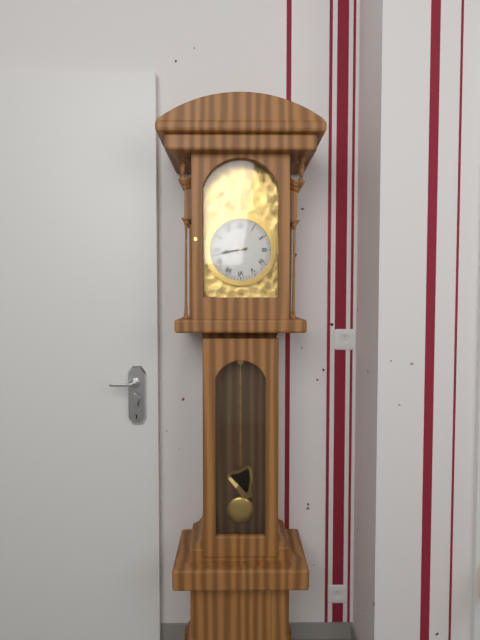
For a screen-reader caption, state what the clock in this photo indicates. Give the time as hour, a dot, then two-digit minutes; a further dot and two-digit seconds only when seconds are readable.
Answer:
8.43
